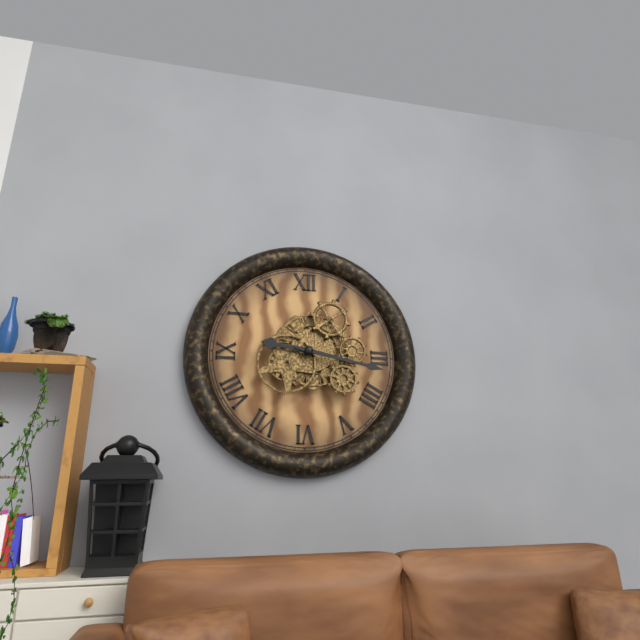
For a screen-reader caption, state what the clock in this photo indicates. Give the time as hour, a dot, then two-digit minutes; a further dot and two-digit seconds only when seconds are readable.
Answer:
9.17
